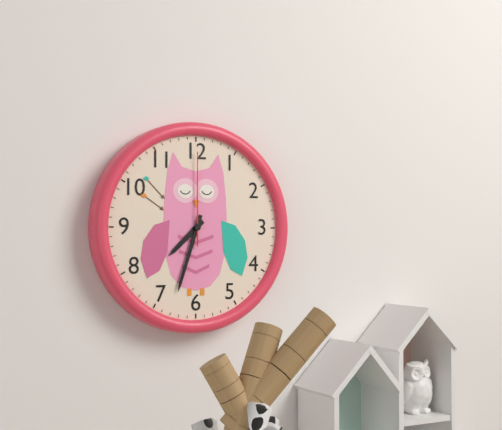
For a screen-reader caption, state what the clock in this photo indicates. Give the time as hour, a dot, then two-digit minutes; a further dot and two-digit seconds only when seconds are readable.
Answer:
7.33.00
